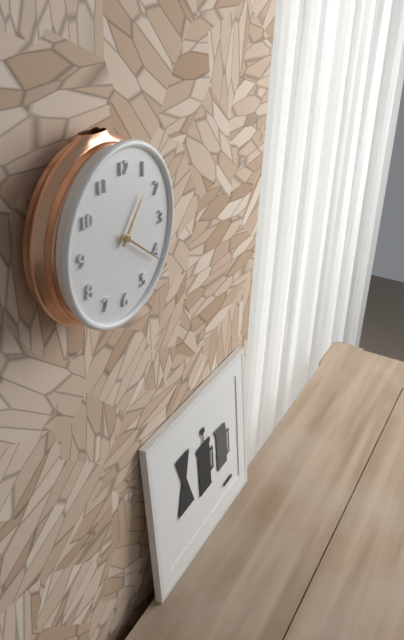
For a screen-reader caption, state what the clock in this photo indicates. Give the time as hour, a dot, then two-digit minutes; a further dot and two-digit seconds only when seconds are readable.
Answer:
1.21
